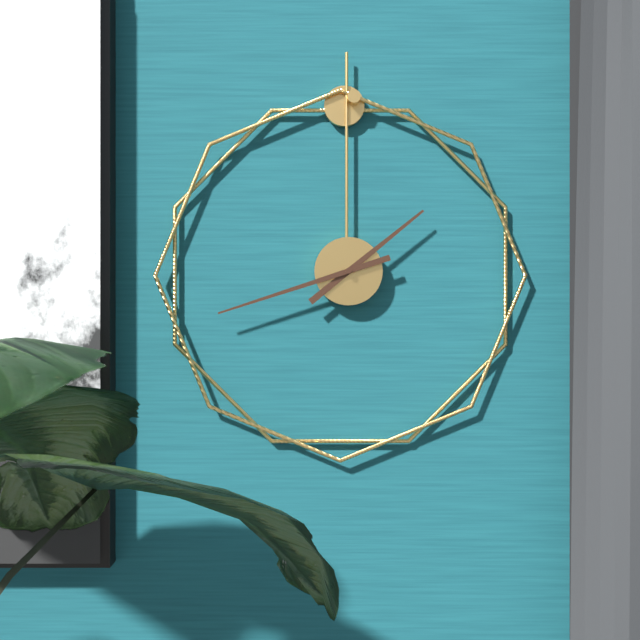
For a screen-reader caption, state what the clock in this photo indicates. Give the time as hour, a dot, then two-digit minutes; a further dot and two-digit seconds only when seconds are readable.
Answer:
1.42
